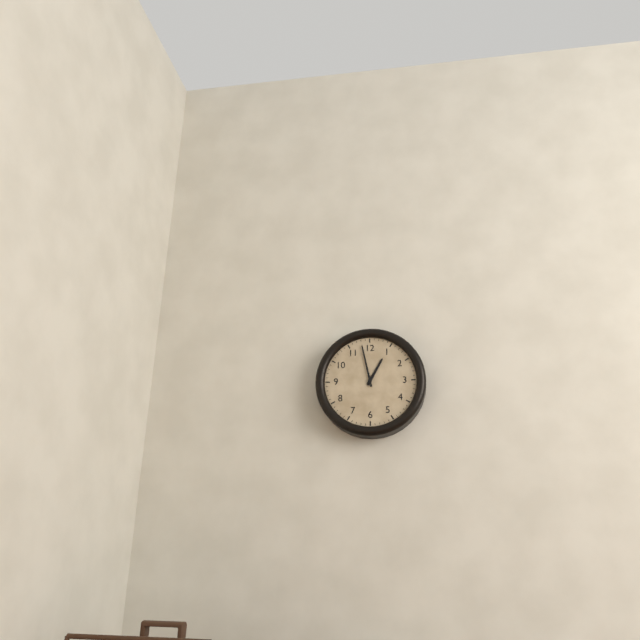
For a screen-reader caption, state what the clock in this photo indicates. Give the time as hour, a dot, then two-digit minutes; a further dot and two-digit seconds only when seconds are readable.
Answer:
12.58
